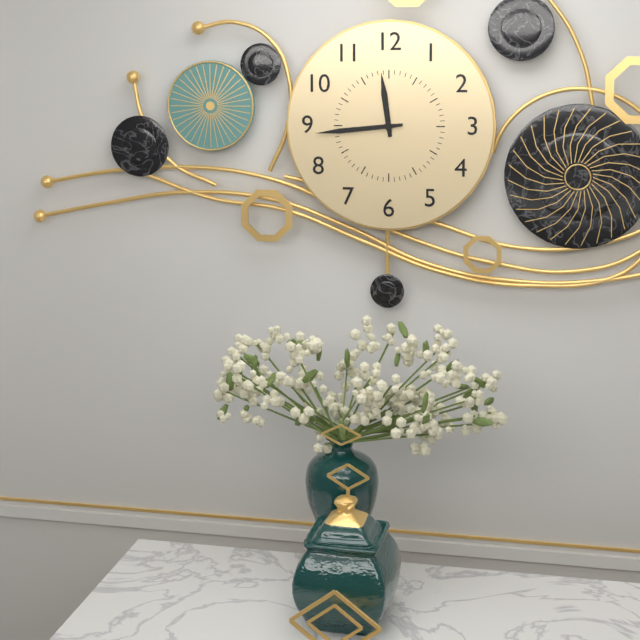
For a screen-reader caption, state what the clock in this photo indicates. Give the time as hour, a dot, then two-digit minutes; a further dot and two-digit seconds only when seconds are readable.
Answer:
11.44
